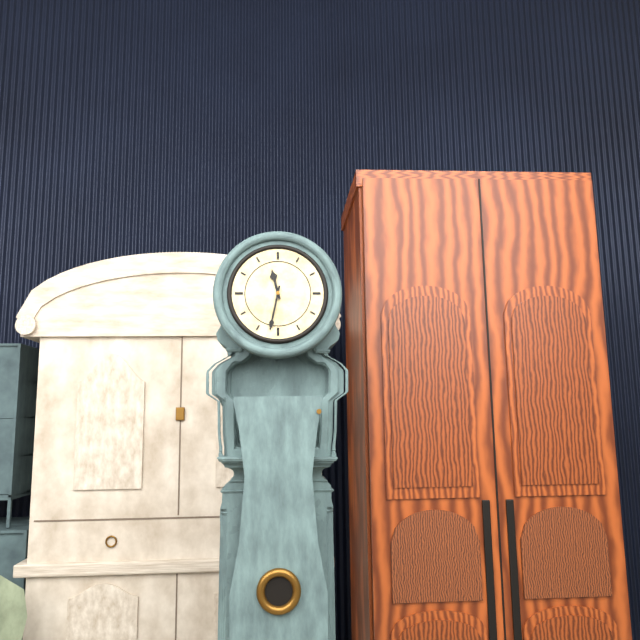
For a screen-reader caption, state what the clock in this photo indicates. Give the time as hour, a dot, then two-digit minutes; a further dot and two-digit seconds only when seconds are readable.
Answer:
11.32
